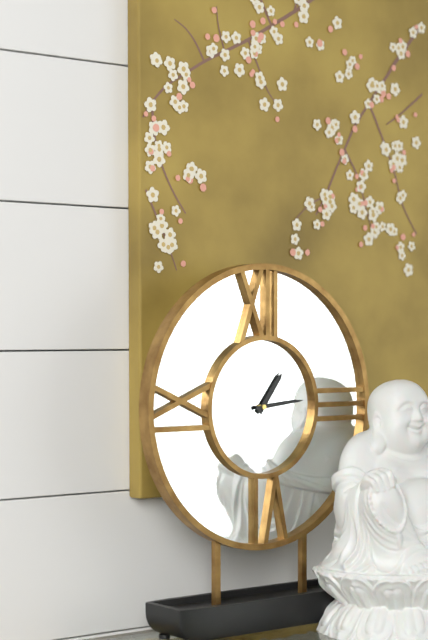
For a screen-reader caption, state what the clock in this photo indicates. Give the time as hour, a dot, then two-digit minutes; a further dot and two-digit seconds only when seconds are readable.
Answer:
1.14
